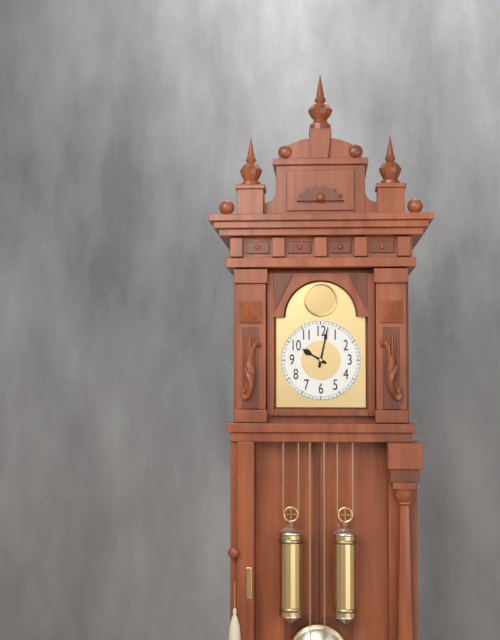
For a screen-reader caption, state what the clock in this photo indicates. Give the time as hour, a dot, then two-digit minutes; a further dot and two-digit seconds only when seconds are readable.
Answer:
10.02
